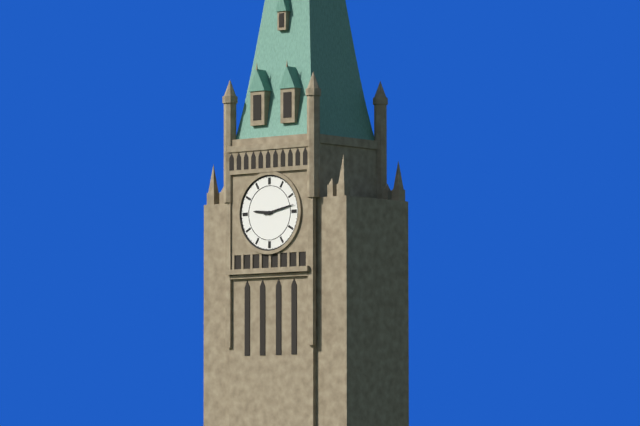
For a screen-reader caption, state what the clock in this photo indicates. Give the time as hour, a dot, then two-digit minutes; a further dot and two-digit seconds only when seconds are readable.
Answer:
9.13
